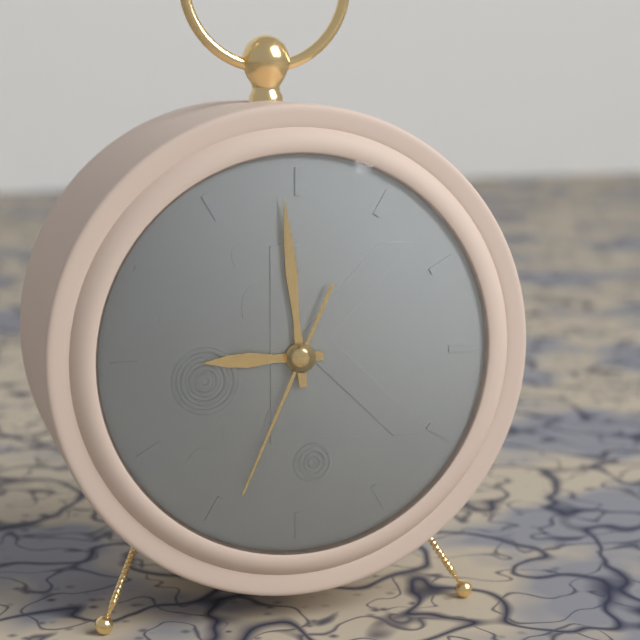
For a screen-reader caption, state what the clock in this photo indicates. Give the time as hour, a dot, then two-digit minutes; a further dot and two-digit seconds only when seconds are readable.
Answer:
8.59.34
